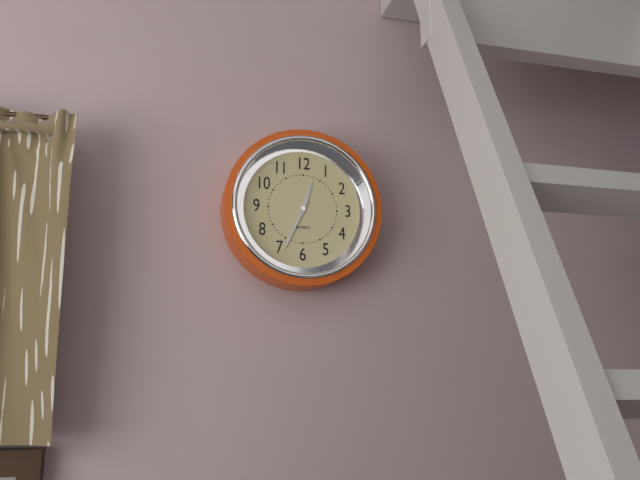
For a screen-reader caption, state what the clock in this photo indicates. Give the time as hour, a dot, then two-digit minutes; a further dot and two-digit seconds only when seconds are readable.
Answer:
12.34
